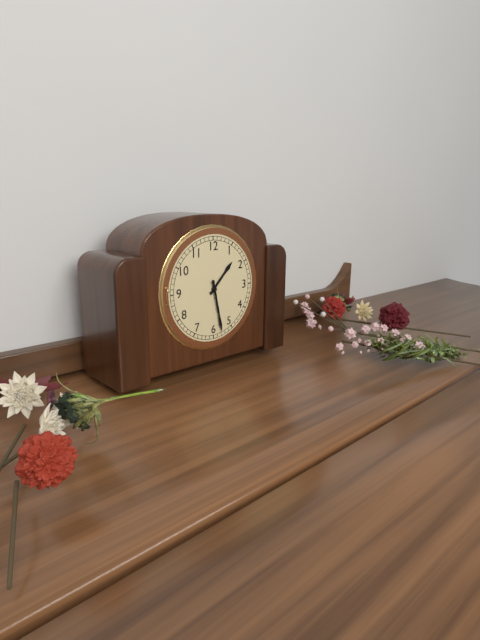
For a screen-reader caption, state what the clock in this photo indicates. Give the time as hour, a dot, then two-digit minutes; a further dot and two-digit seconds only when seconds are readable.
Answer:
1.28
